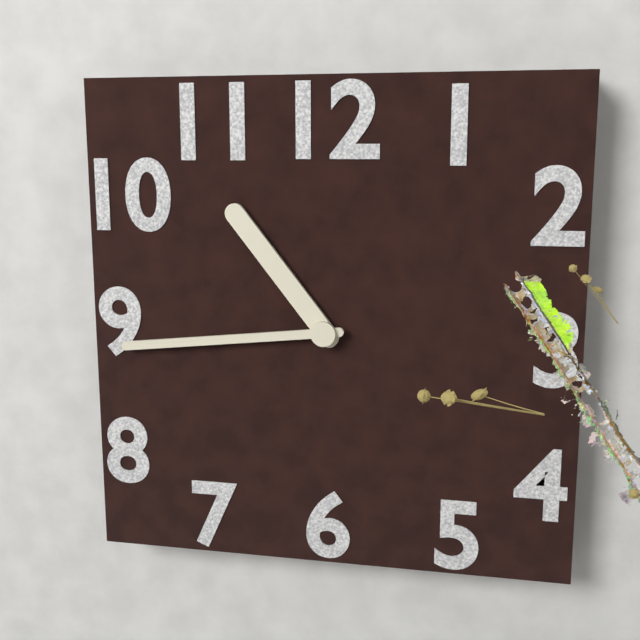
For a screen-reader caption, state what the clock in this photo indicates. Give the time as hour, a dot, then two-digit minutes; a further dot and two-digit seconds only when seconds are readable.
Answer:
10.44
